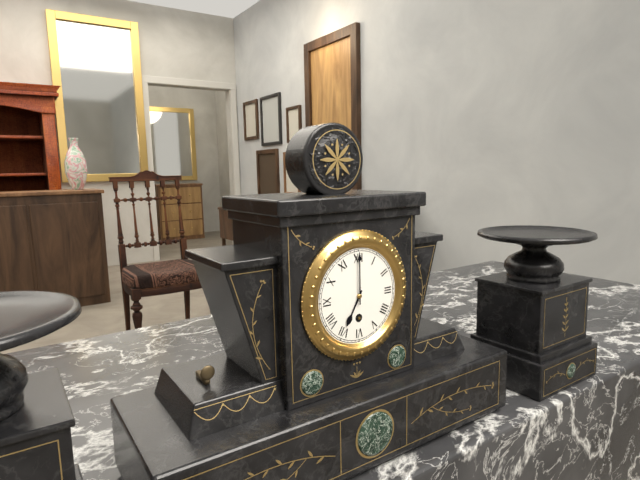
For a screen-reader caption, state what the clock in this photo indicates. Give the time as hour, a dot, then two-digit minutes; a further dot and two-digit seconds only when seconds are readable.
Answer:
7.00
